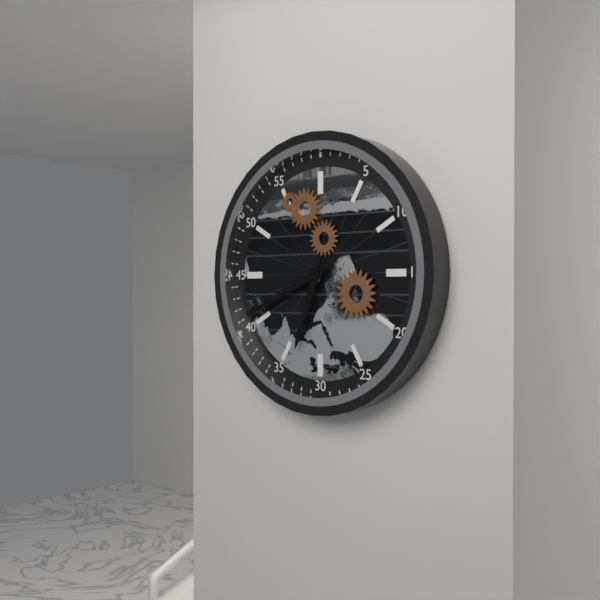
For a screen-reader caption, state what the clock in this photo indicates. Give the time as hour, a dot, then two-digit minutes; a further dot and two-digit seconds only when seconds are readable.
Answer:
6.41
